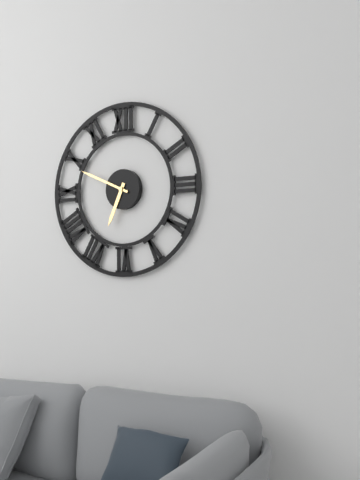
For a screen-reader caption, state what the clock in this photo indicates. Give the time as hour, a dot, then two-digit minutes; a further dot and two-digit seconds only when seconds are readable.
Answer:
6.49
